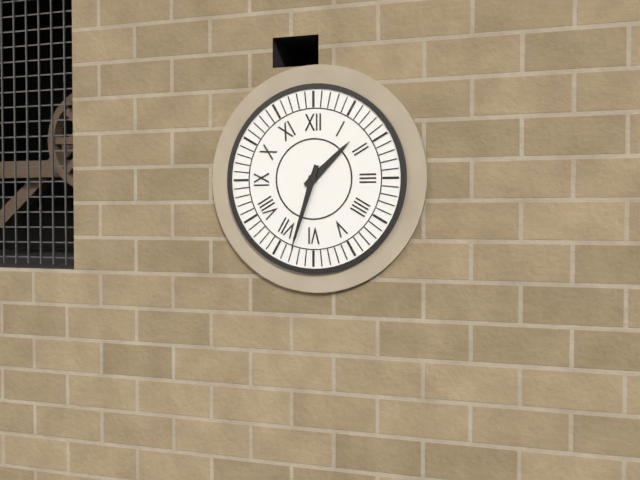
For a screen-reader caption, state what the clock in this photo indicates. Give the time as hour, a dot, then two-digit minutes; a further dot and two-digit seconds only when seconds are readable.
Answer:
1.33
